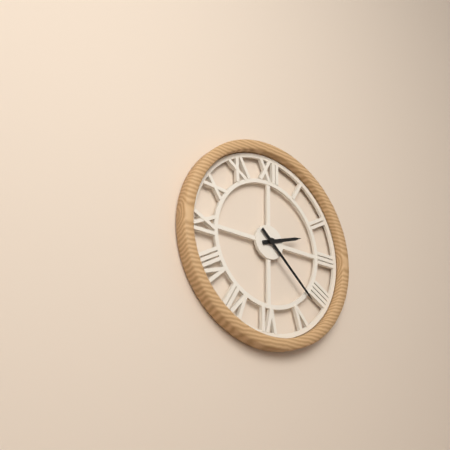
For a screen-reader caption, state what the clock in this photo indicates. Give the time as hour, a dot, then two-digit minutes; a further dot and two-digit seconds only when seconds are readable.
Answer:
2.22
